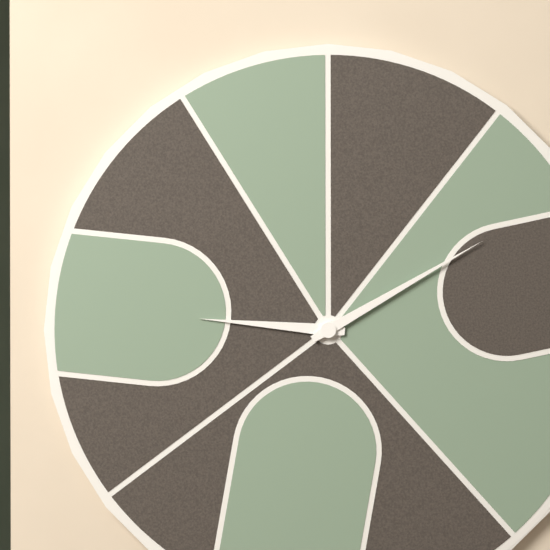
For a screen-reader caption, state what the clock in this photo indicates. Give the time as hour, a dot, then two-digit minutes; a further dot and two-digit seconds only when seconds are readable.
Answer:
9.10
